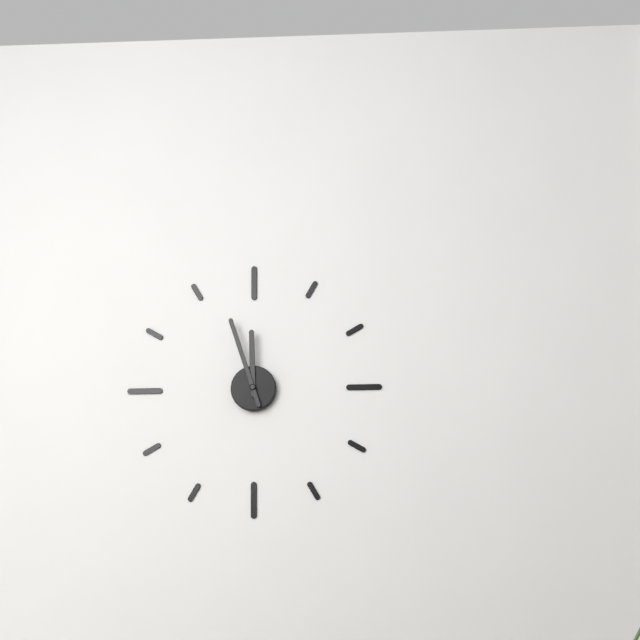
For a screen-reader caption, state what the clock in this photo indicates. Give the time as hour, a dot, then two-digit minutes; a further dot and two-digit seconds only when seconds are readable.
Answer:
11.57
